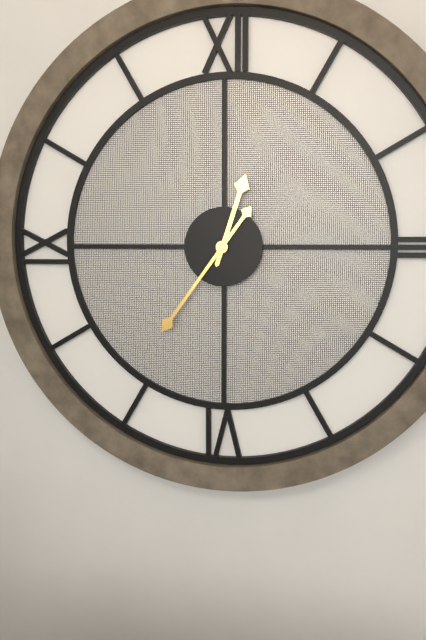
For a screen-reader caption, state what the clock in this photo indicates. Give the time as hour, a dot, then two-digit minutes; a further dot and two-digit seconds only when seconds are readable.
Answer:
12.36
